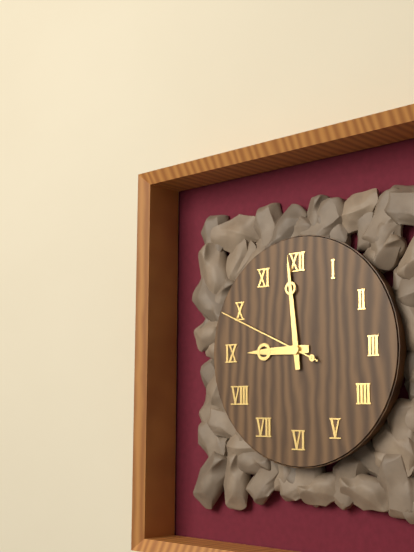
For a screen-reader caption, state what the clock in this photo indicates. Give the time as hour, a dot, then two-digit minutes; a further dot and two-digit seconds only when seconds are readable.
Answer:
8.59.49
